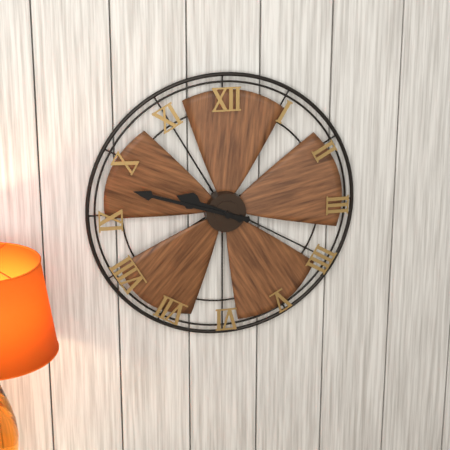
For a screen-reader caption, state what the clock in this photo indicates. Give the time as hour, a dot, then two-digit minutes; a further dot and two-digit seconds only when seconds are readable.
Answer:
9.48
